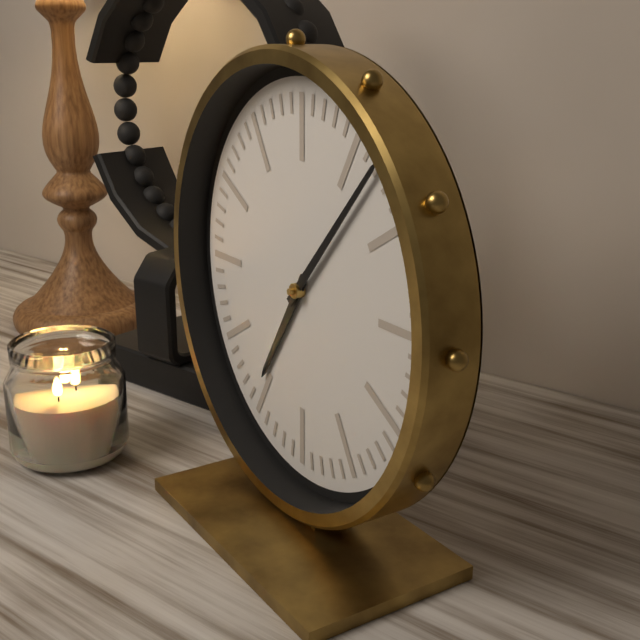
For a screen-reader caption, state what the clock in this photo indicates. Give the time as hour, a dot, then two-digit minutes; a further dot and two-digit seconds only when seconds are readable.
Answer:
7.07
